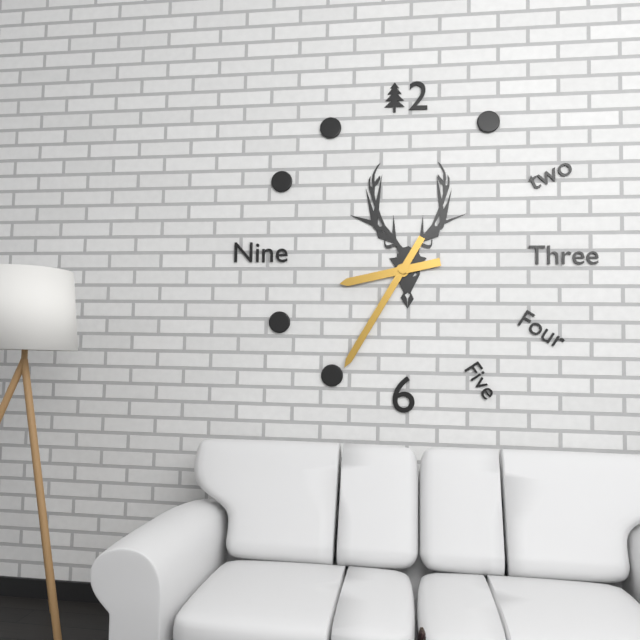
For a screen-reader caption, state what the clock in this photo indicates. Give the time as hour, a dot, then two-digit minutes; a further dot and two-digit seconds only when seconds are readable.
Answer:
8.35
